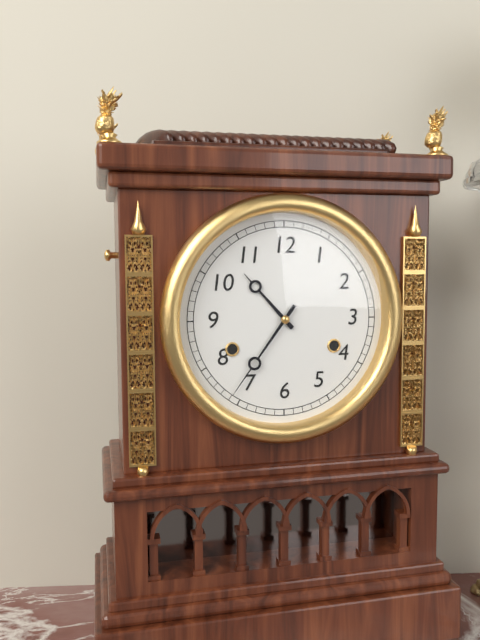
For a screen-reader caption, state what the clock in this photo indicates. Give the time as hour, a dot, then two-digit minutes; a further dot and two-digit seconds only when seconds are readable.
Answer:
10.36
